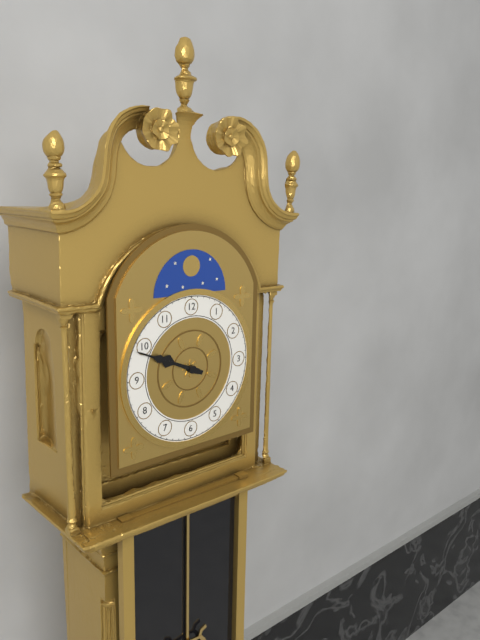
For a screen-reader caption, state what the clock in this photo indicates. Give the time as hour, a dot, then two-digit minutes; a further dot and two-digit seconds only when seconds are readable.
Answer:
9.49
